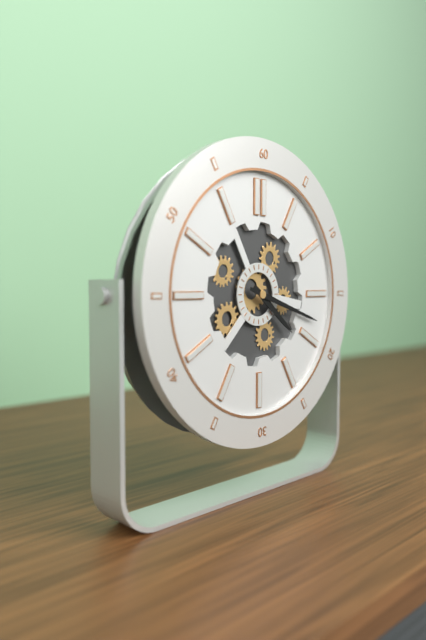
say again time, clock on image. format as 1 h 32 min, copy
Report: 4 h 18 min
